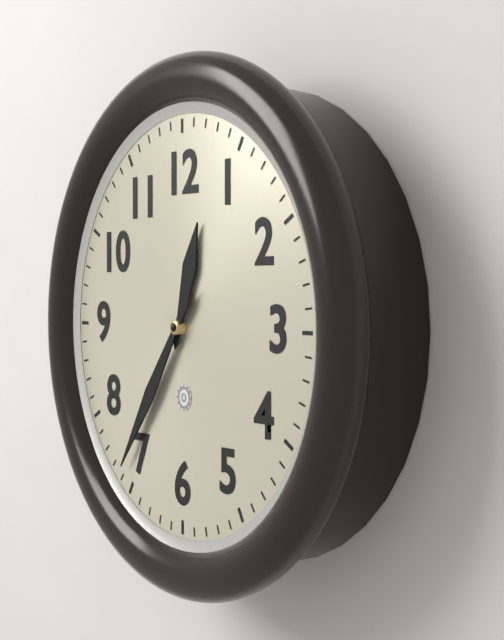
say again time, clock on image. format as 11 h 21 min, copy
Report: 12 h 36 min
